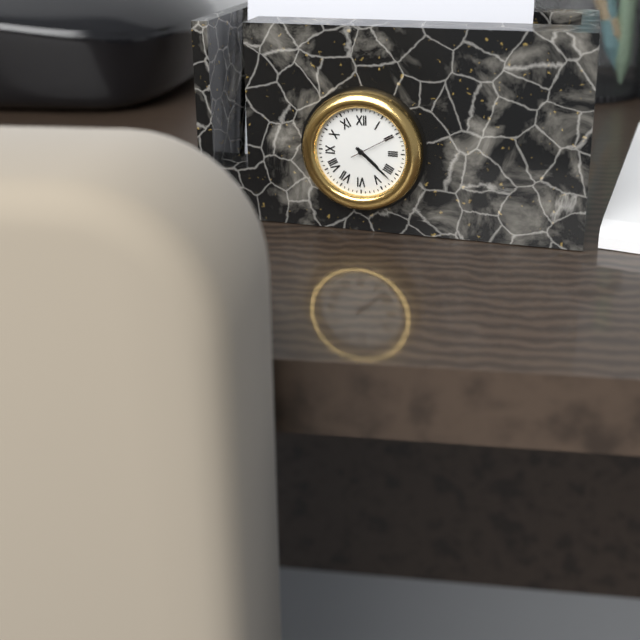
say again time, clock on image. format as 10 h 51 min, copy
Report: 4 h 22 min
